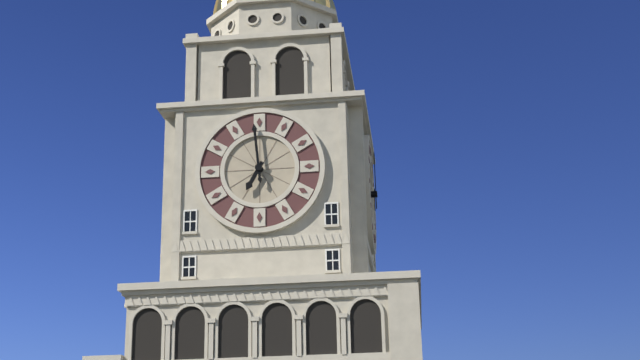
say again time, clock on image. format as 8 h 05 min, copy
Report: 6 h 59 min
